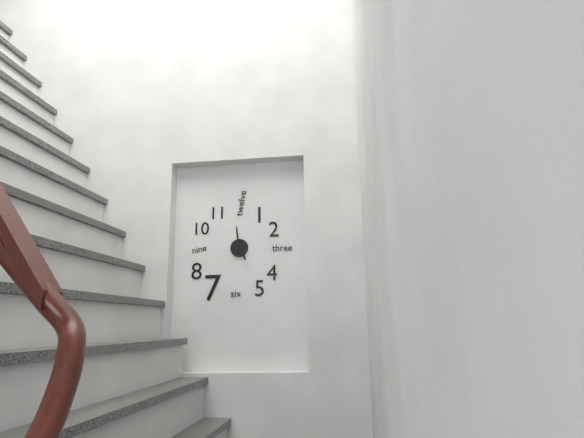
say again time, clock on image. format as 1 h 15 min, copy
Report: 4 h 59 min
